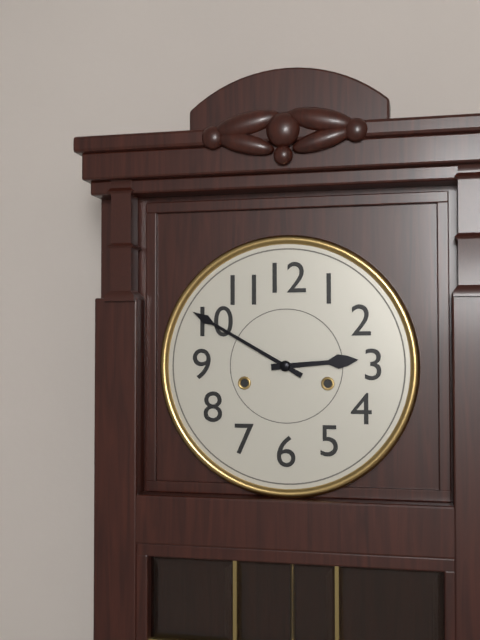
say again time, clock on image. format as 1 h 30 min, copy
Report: 2 h 50 min
